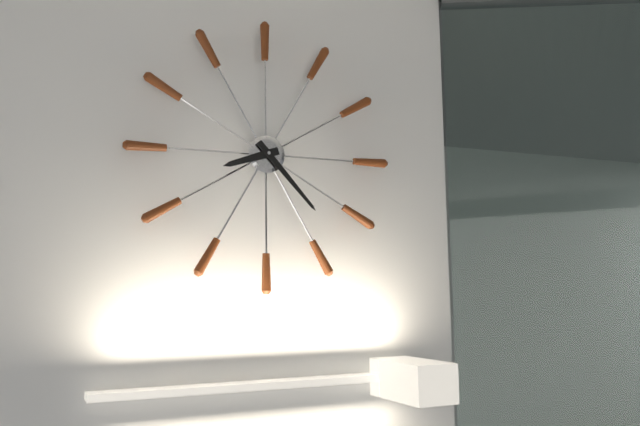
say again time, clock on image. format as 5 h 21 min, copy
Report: 8 h 23 min
